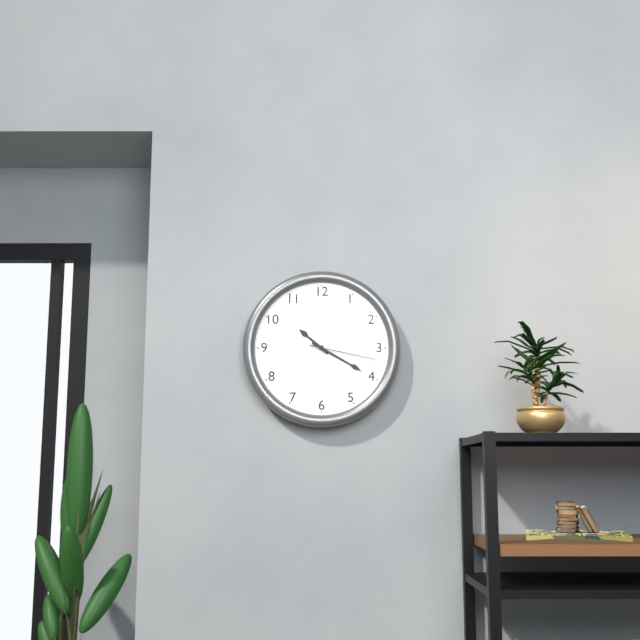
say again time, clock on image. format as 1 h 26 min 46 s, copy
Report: 10 h 20 min 17 s
